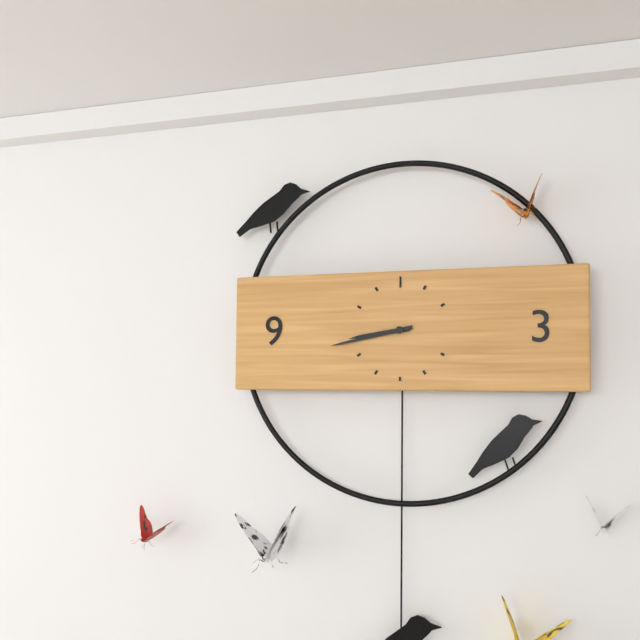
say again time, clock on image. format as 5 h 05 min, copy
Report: 8 h 43 min
